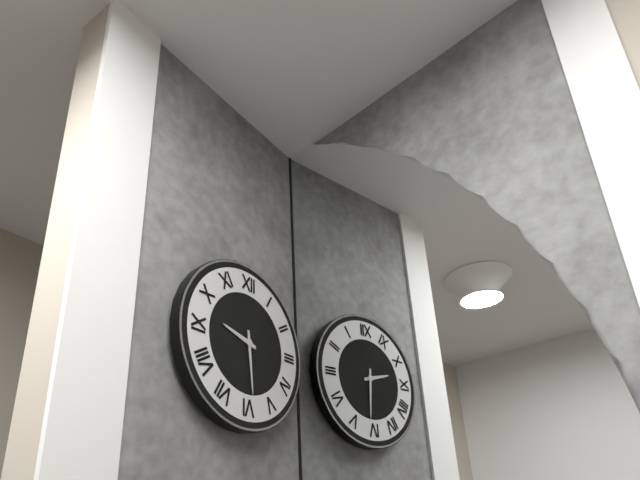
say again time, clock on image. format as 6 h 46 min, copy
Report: 9 h 29 min
